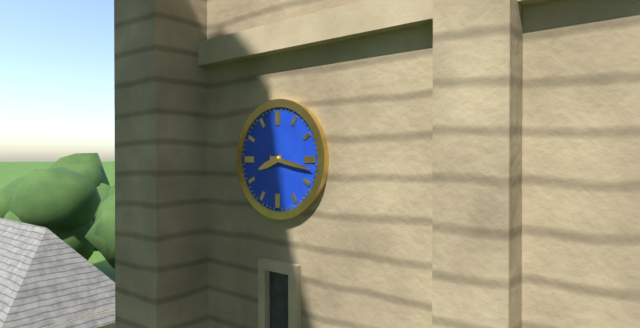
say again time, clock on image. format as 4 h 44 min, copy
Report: 8 h 17 min
